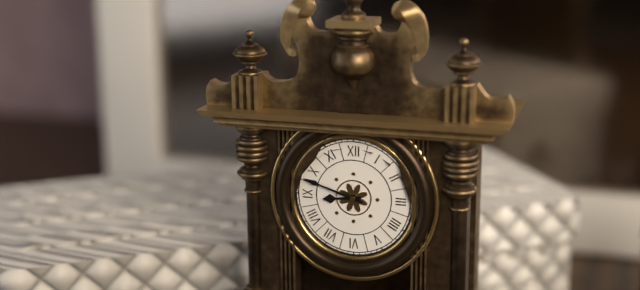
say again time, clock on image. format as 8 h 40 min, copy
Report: 8 h 48 min
